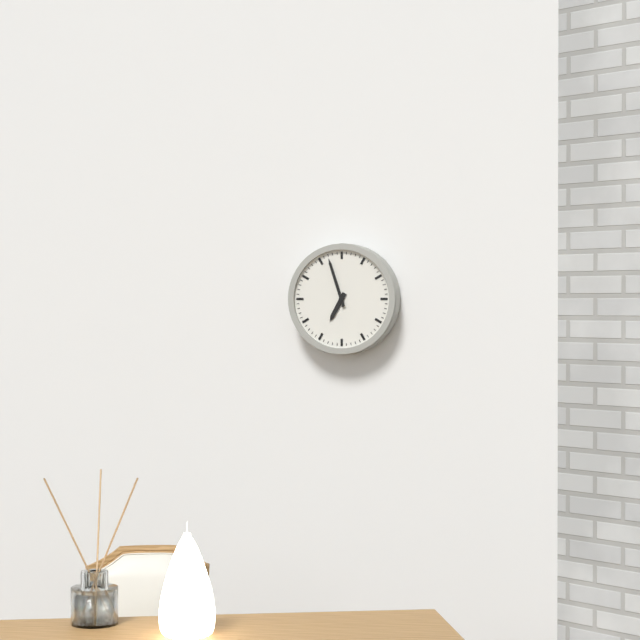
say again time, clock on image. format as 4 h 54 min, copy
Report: 6 h 57 min
